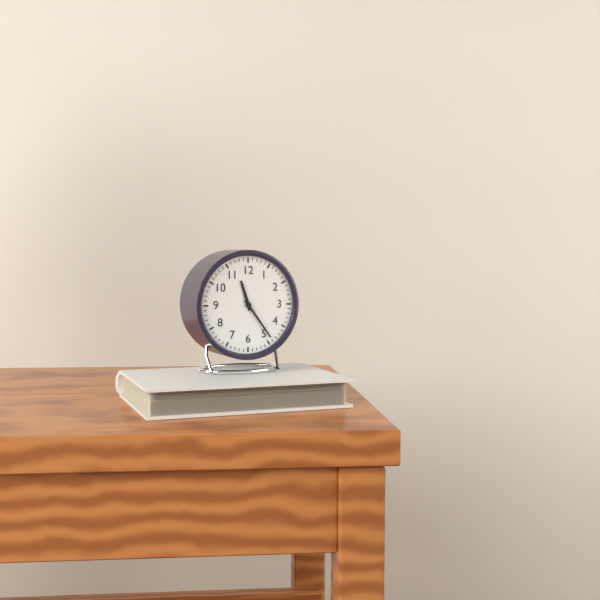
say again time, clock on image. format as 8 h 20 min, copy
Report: 11 h 24 min
